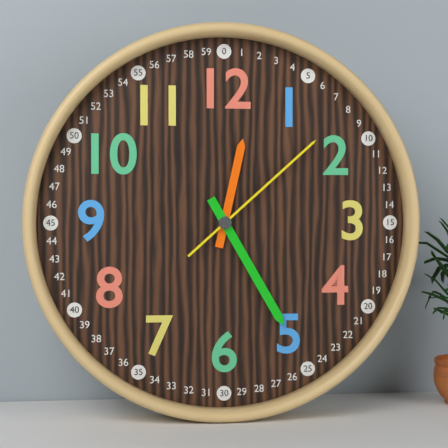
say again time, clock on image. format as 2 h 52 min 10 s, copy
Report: 12 h 25 min 08 s
